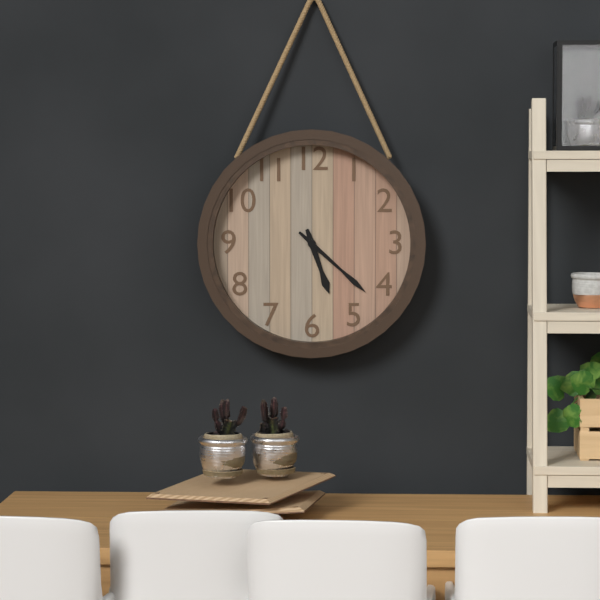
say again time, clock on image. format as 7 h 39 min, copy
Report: 5 h 22 min
